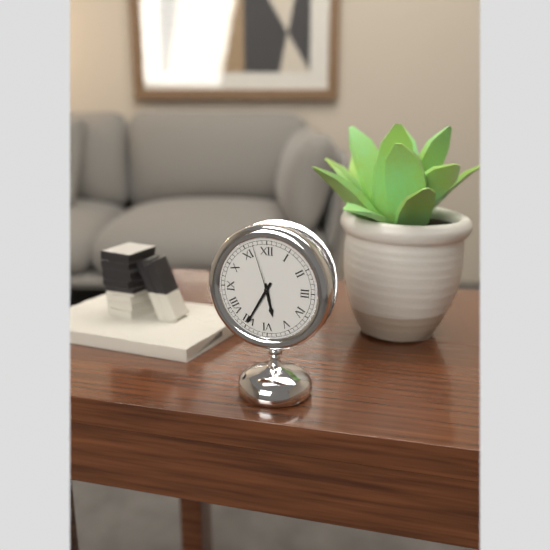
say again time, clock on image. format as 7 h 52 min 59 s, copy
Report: 5 h 35 min 57 s
